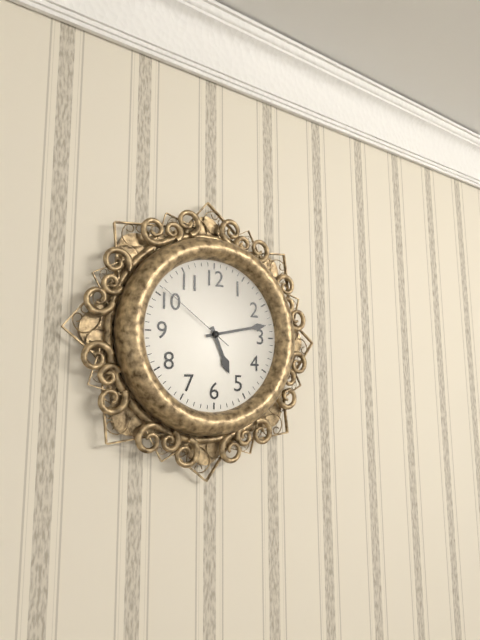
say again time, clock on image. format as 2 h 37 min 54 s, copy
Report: 5 h 13 min 51 s
